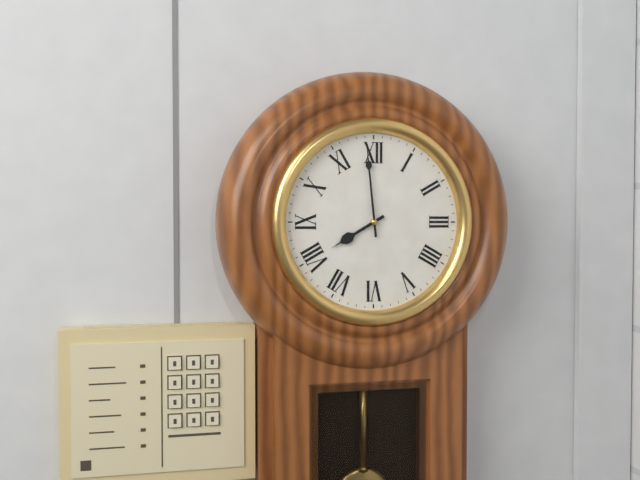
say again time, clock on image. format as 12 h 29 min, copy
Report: 7 h 59 min
